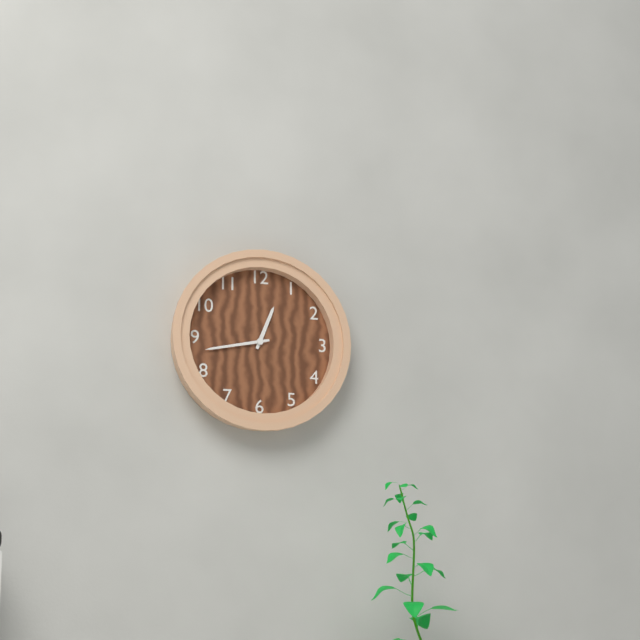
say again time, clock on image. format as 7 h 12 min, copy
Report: 12 h 43 min
